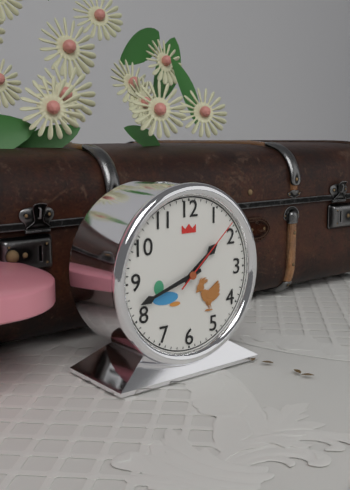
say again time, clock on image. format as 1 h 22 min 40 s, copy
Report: 1 h 42 min 08 s
